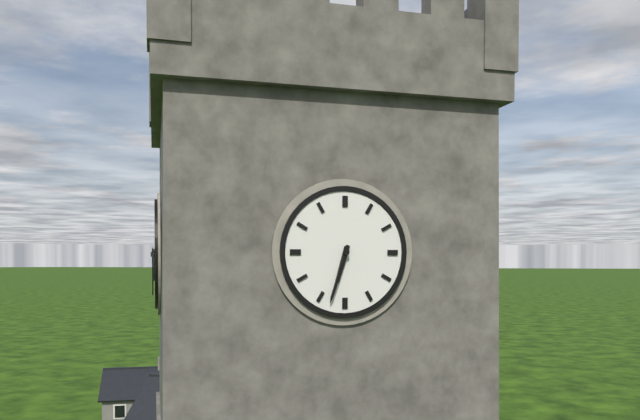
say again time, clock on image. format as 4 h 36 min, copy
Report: 6 h 33 min
